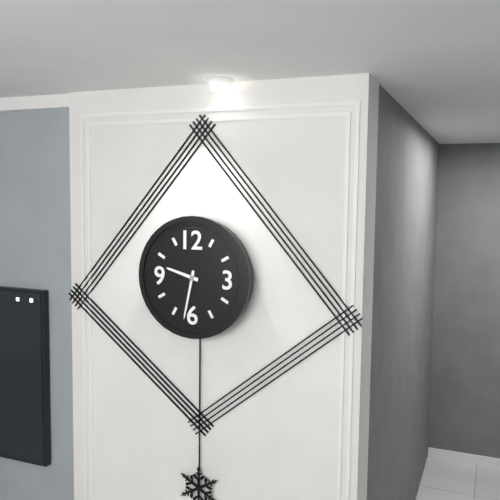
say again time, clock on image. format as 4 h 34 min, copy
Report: 9 h 32 min
